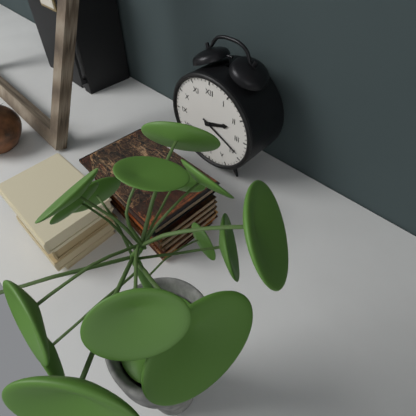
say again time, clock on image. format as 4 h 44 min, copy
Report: 2 h 19 min
